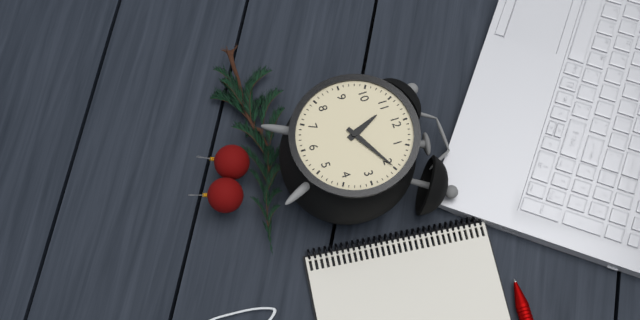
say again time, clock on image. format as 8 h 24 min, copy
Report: 11 h 10 min
